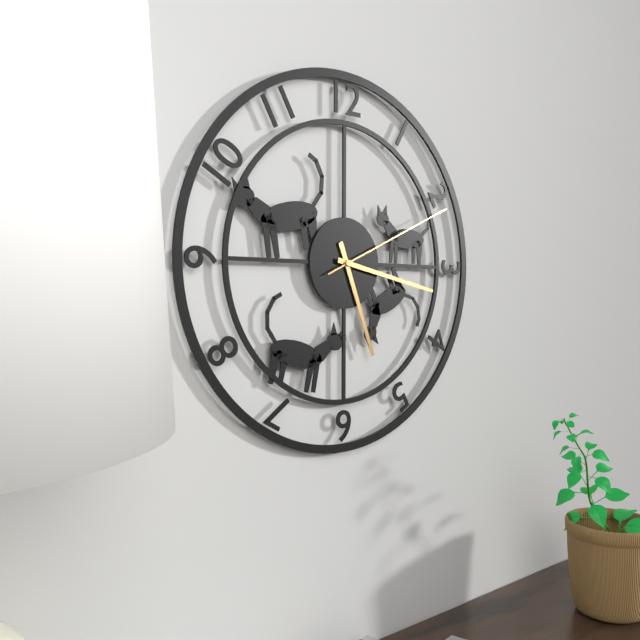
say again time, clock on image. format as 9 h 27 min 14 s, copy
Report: 5 h 17 min 11 s
